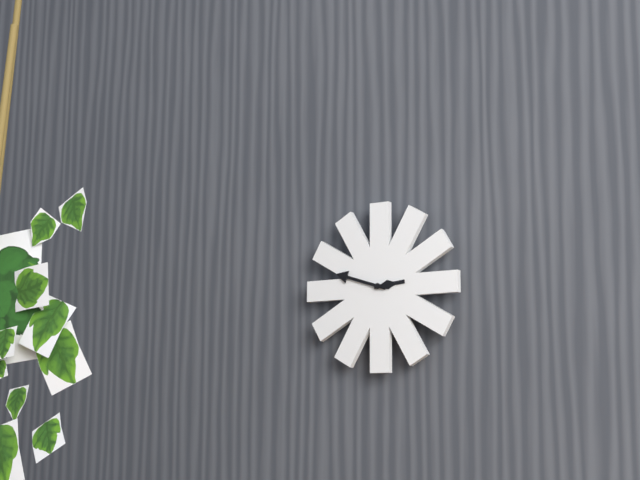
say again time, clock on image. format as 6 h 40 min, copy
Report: 2 h 48 min
